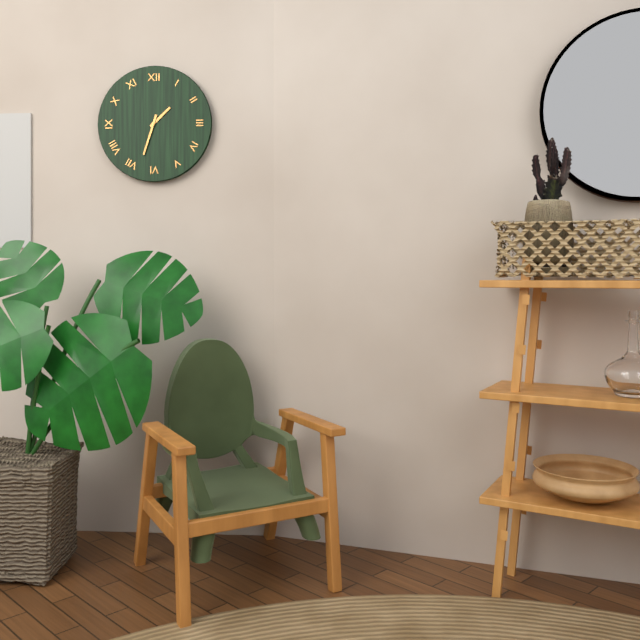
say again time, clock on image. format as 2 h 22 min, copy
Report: 1 h 33 min
